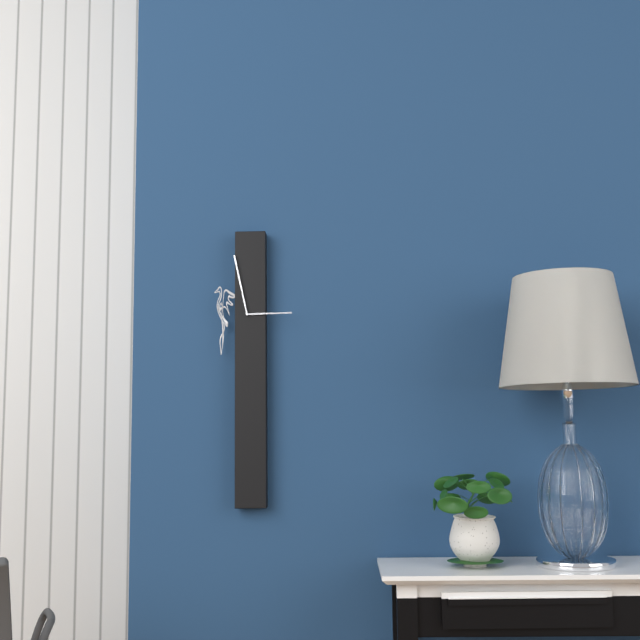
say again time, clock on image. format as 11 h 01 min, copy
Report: 2 h 58 min
